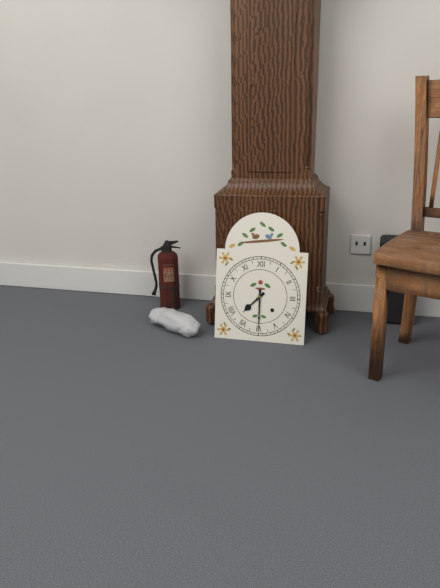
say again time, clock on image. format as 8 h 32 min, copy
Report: 7 h 30 min
